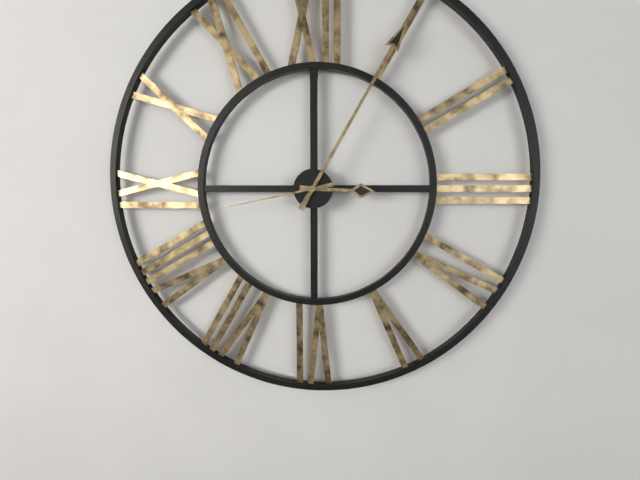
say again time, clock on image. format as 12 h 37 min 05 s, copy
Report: 3 h 05 min 43 s
